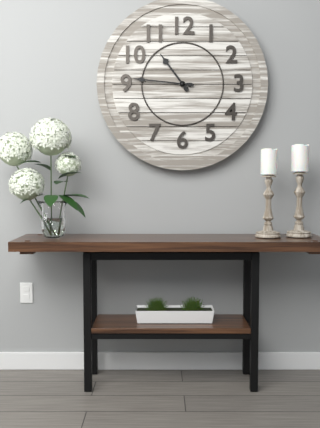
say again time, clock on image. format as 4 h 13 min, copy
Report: 10 h 46 min
